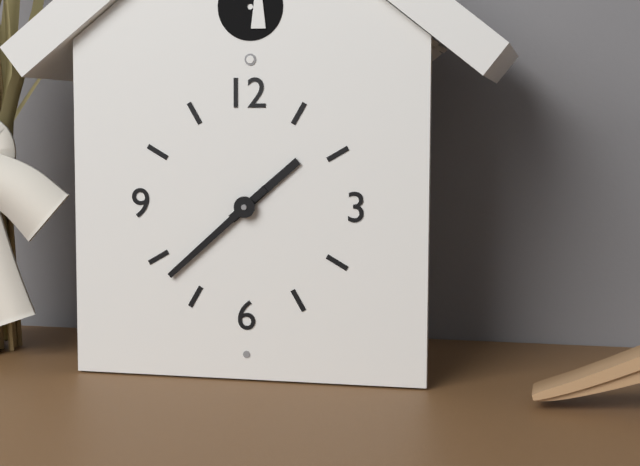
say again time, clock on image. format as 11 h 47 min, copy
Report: 1 h 38 min
